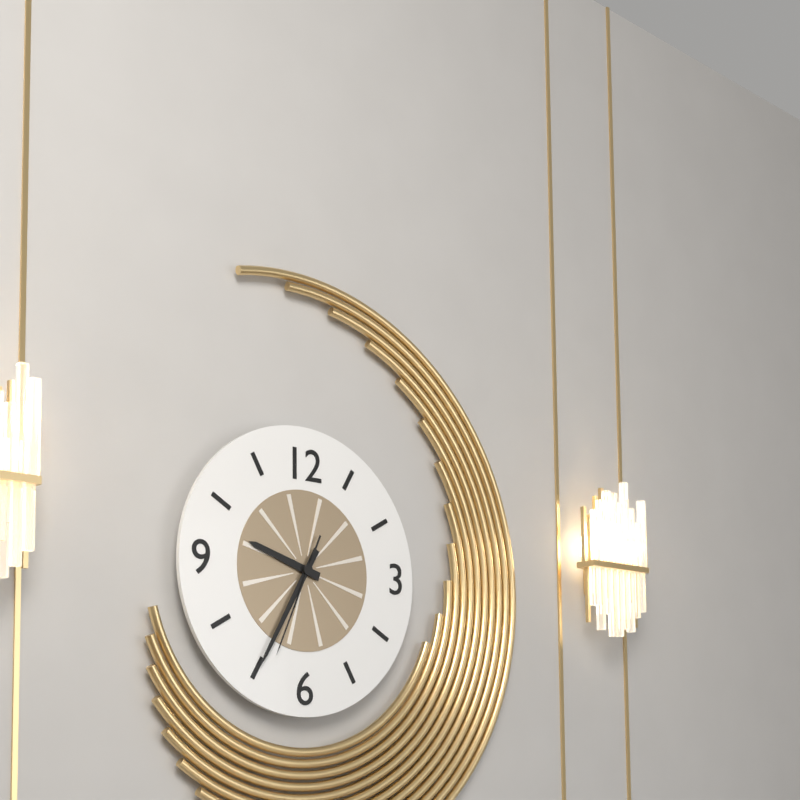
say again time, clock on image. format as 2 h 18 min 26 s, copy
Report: 9 h 35 min 34 s
